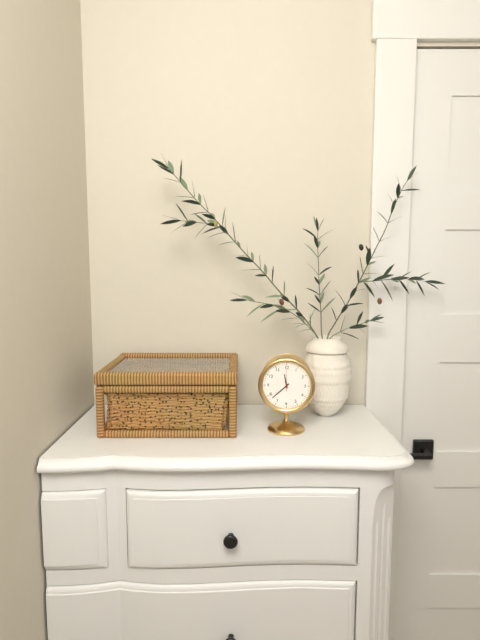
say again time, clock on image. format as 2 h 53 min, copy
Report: 11 h 38 min
